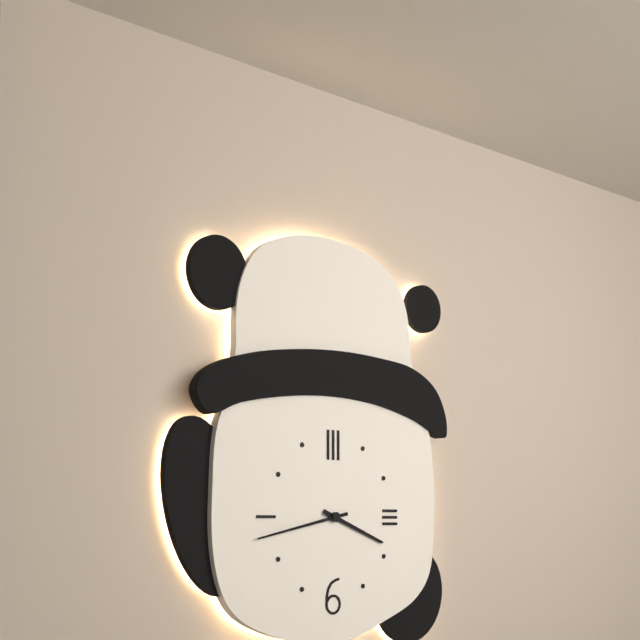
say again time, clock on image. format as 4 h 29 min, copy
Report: 3 h 43 min
